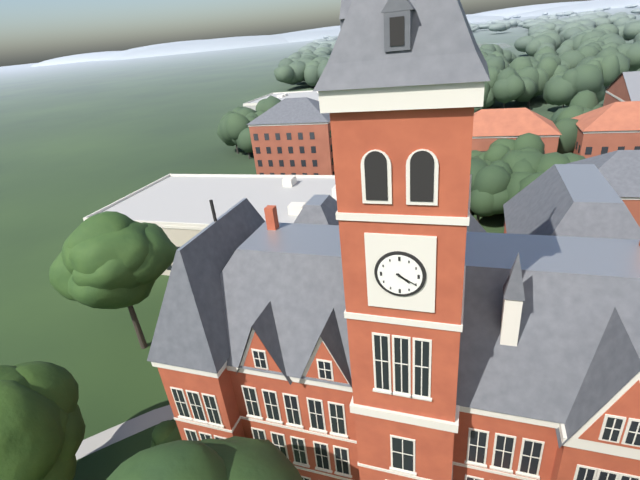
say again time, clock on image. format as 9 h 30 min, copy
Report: 4 h 20 min
